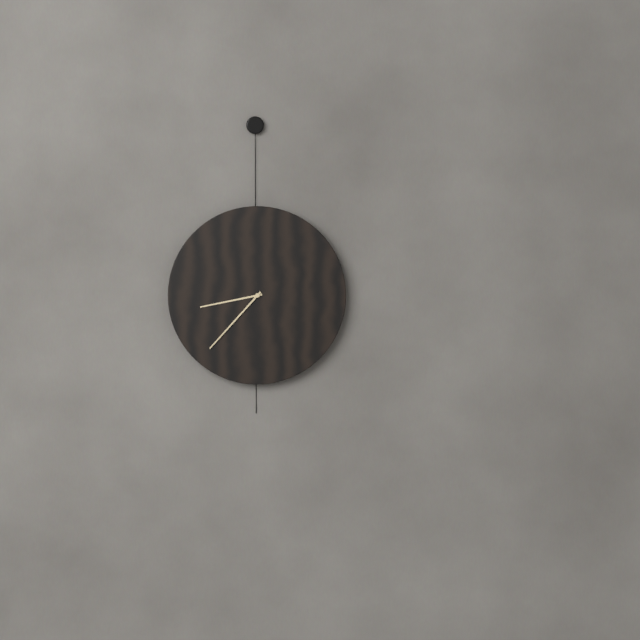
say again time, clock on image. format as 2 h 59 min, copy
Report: 8 h 37 min
